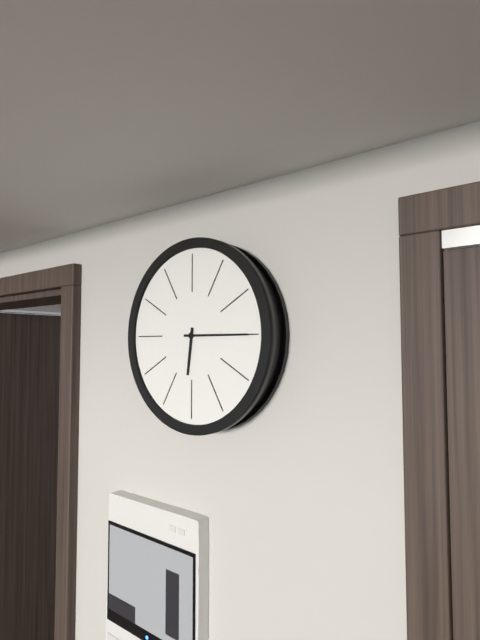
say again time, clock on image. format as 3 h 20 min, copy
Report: 6 h 15 min
